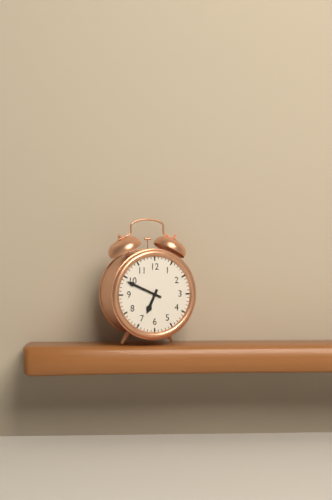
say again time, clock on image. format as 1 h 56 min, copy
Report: 6 h 49 min
